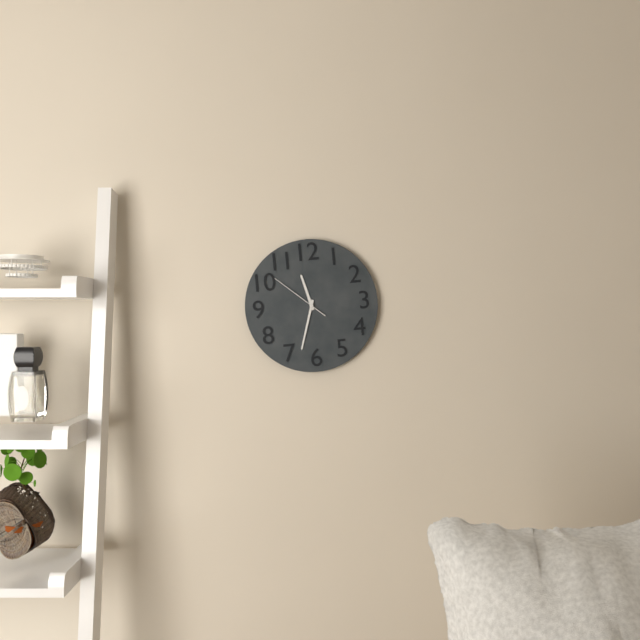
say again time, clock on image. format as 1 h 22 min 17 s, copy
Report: 11 h 33 min 52 s
